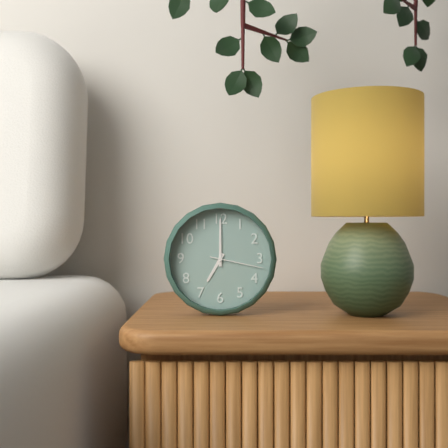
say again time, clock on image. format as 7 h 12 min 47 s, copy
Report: 7 h 00 min 17 s
